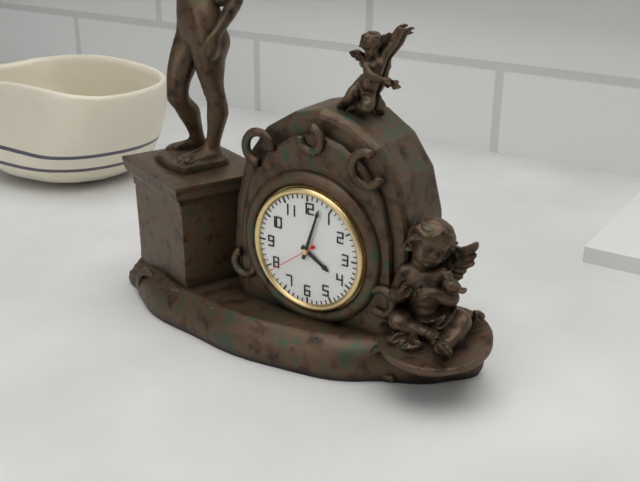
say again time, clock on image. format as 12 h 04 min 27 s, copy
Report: 4 h 03 min 39 s
